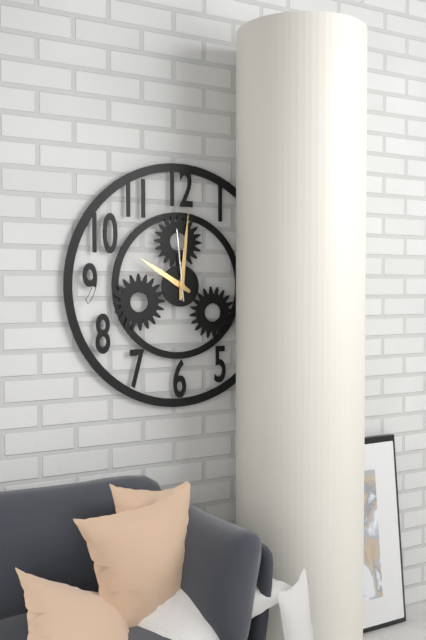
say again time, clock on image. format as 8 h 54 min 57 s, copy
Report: 10 h 01 min 59 s
